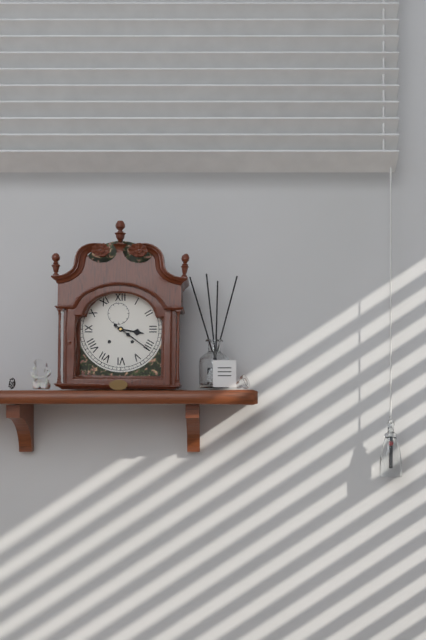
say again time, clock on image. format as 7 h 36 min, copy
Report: 3 h 21 min
